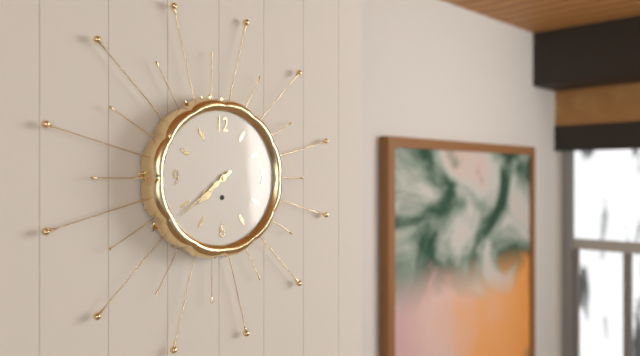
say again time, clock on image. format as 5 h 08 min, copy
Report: 7 h 39 min
